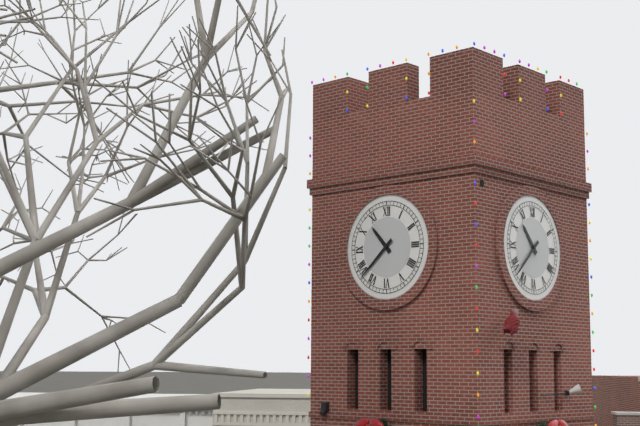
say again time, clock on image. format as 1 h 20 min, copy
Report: 10 h 38 min
